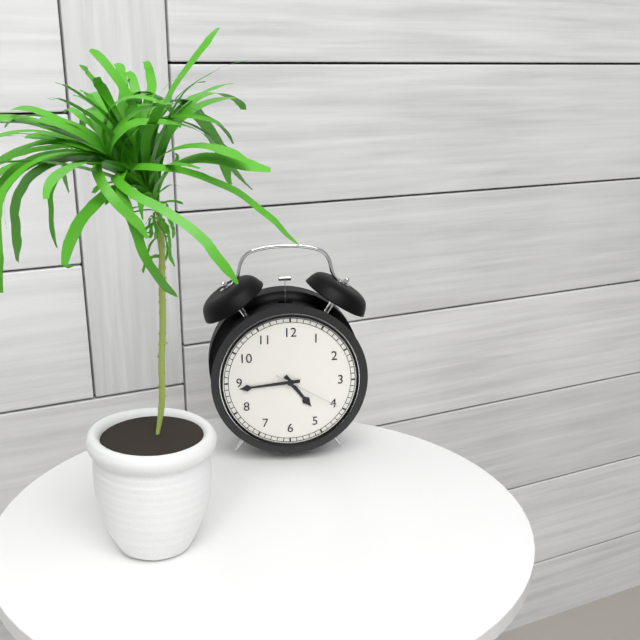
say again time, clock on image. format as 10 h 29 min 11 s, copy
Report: 4 h 44 min 20 s
